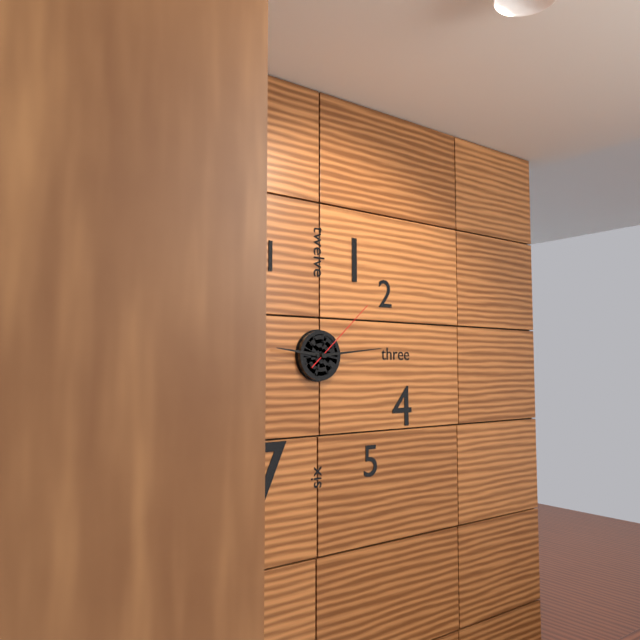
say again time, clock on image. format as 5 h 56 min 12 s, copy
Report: 9 h 14 min 08 s
